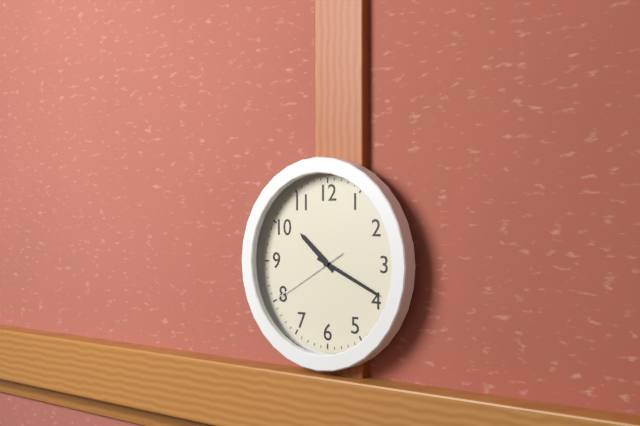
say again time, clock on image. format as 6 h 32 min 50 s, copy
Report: 10 h 19 min 40 s
